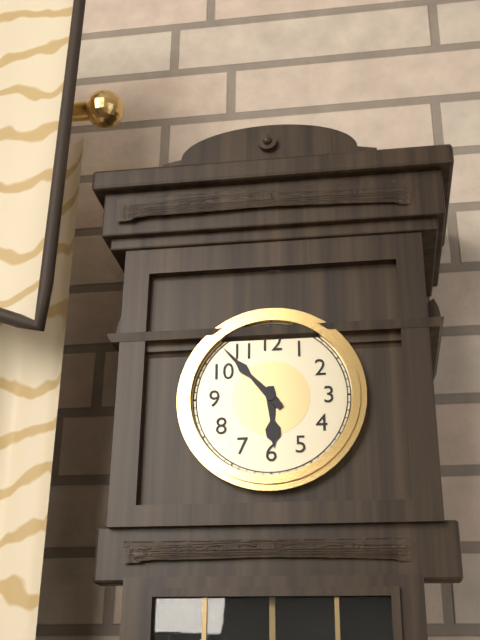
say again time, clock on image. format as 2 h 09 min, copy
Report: 5 h 53 min
